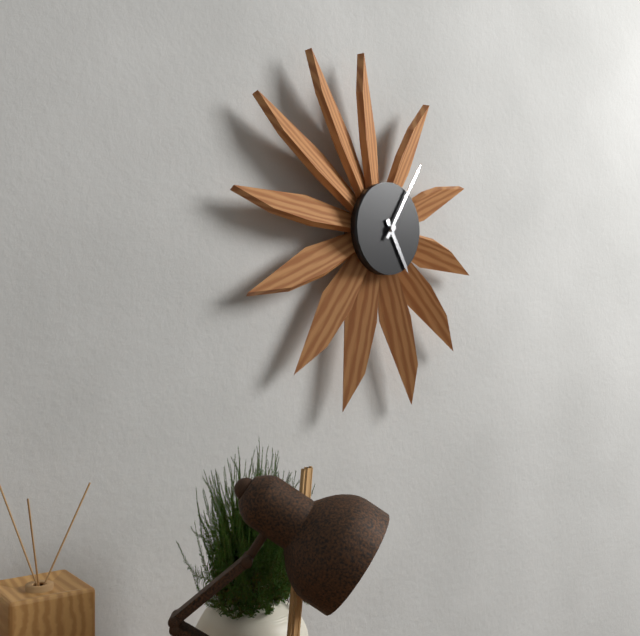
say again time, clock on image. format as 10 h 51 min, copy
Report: 5 h 05 min
